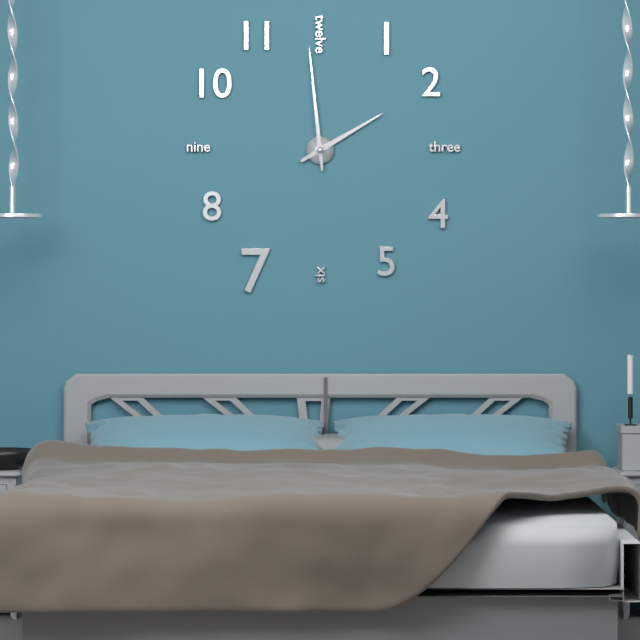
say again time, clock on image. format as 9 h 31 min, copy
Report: 1 h 59 min
